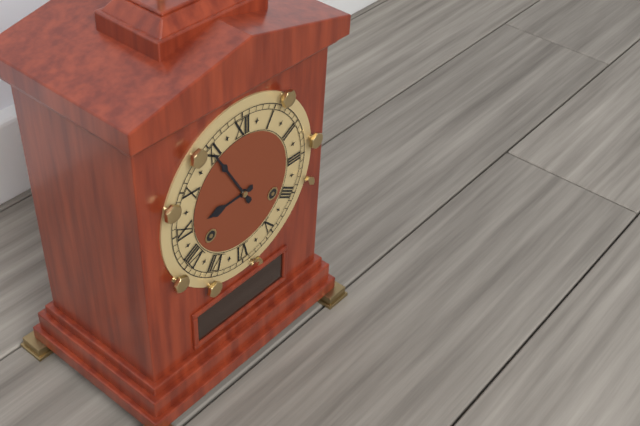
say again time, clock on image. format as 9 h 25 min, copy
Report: 8 h 55 min
